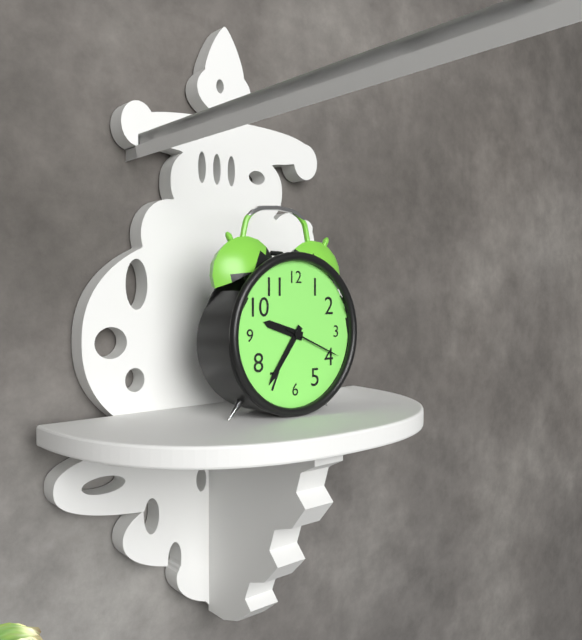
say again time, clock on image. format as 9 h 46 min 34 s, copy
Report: 9 h 36 min 19 s
